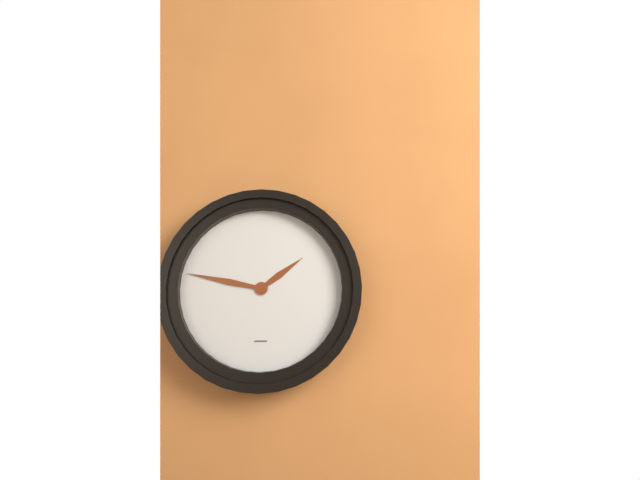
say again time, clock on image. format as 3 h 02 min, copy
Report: 1 h 47 min
